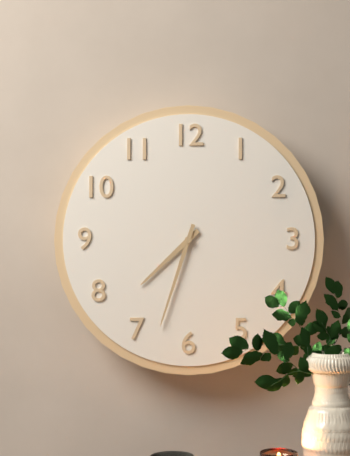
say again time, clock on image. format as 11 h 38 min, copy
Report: 7 h 33 min
